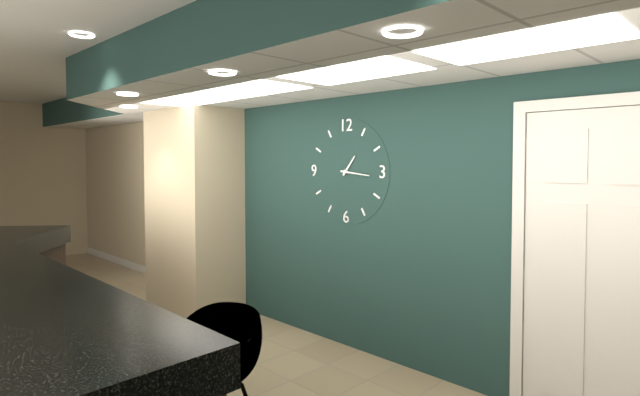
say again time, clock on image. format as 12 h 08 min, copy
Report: 1 h 16 min
